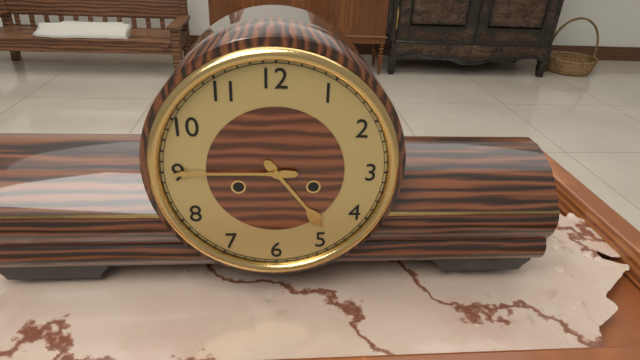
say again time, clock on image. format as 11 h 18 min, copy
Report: 4 h 45 min
